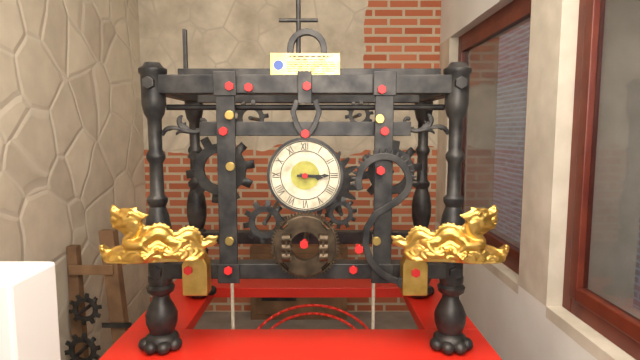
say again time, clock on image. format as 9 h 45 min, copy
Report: 3 h 15 min
